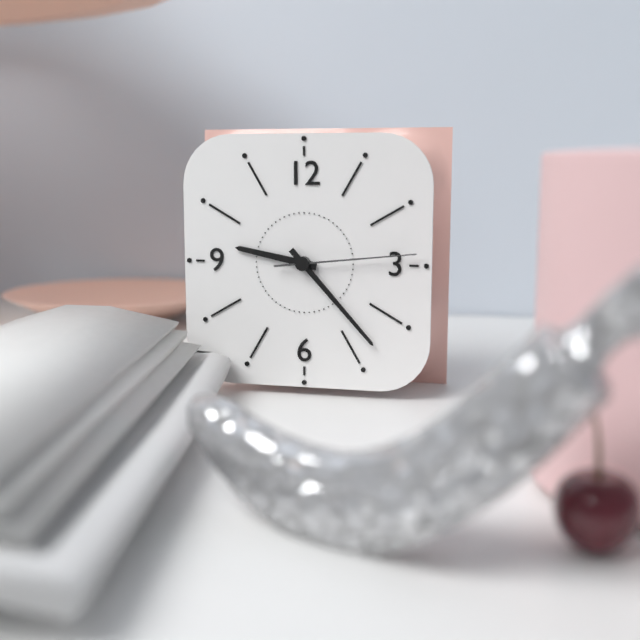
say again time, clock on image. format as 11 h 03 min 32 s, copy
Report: 9 h 23 min 14 s
